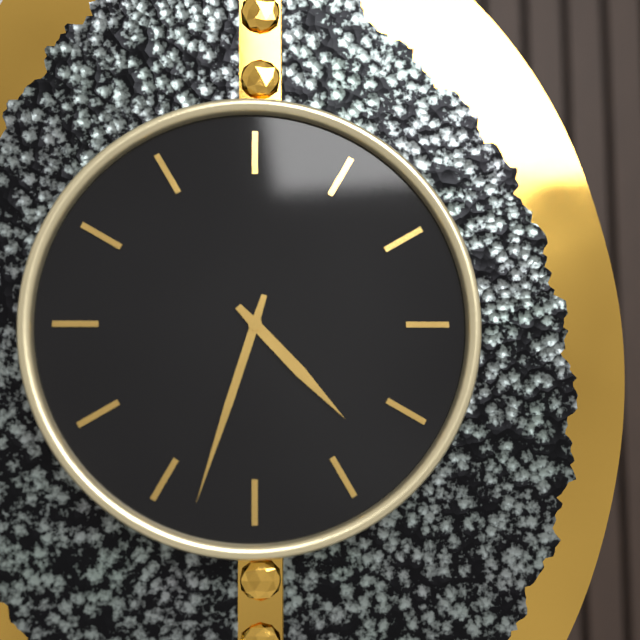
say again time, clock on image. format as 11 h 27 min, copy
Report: 4 h 33 min
